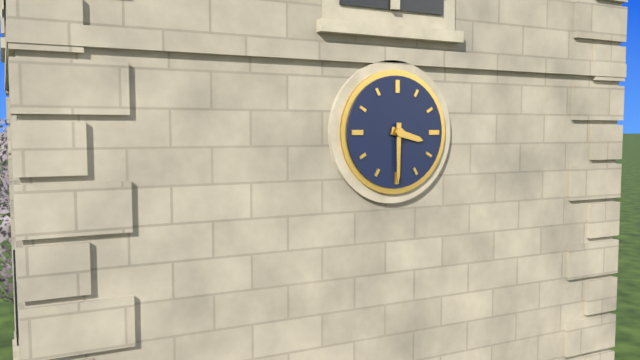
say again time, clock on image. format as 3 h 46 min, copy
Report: 3 h 30 min
